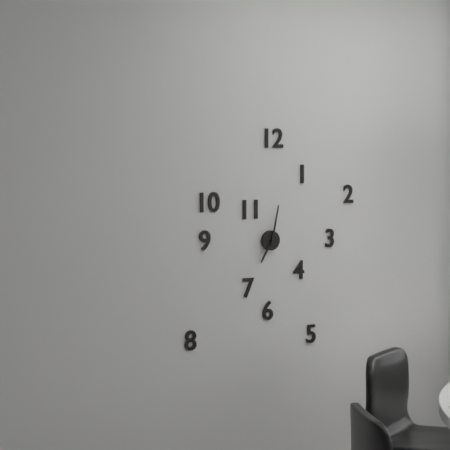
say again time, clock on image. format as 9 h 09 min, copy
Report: 7 h 02 min
